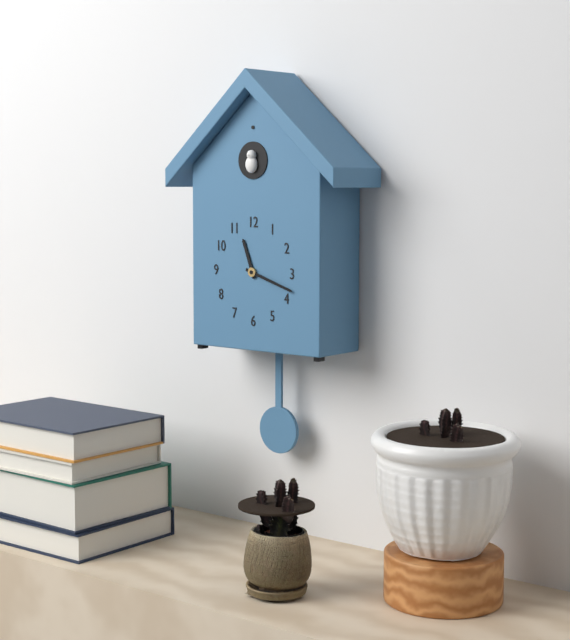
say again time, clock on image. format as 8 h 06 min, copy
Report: 11 h 18 min
